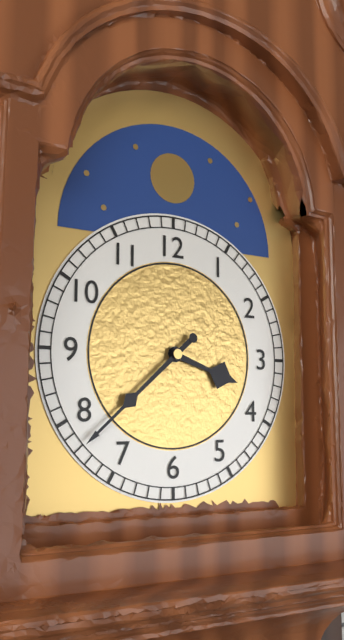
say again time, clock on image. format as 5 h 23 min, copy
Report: 3 h 38 min
